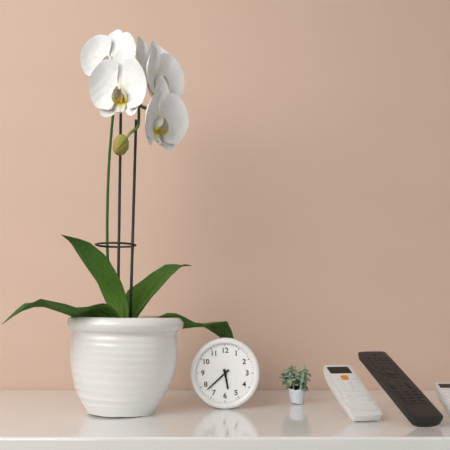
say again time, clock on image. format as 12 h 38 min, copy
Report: 5 h 38 min
